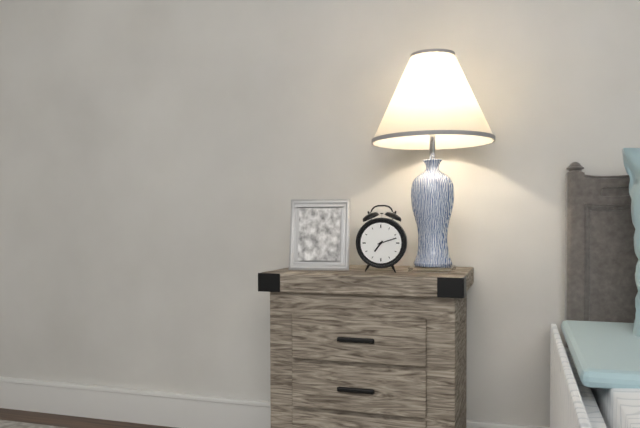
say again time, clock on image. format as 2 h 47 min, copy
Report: 7 h 12 min
